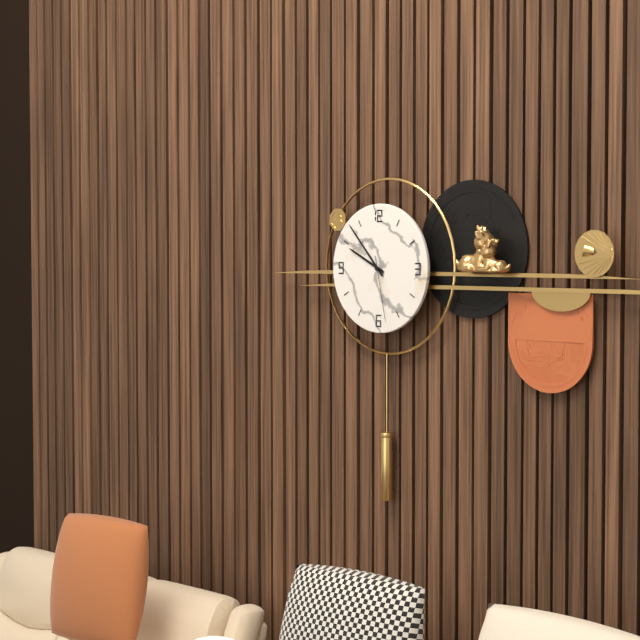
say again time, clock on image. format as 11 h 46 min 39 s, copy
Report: 9 h 53 min 28 s
